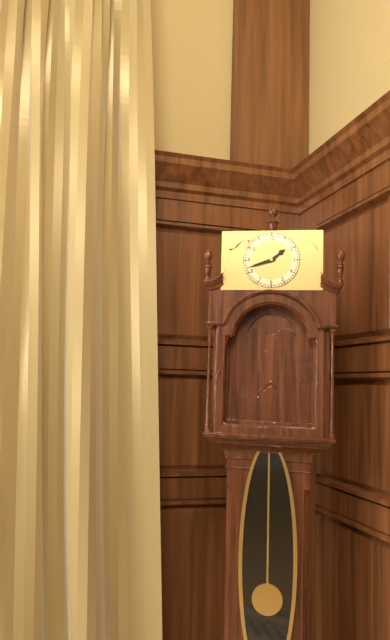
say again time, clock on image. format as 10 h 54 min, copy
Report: 1 h 42 min
